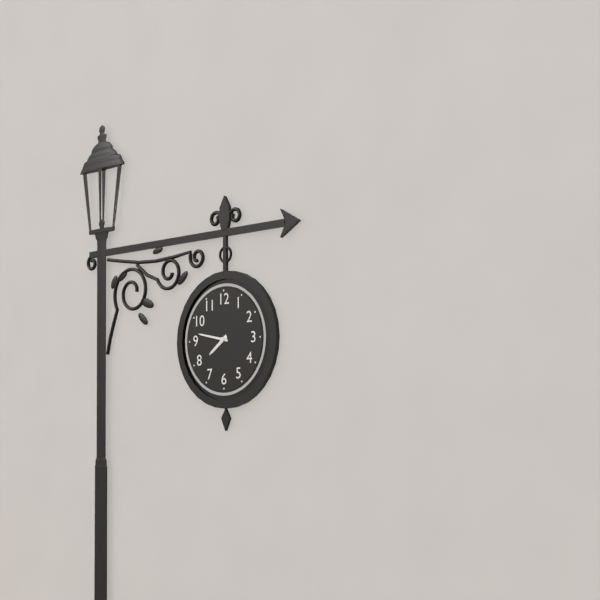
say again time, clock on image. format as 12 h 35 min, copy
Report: 7 h 47 min
